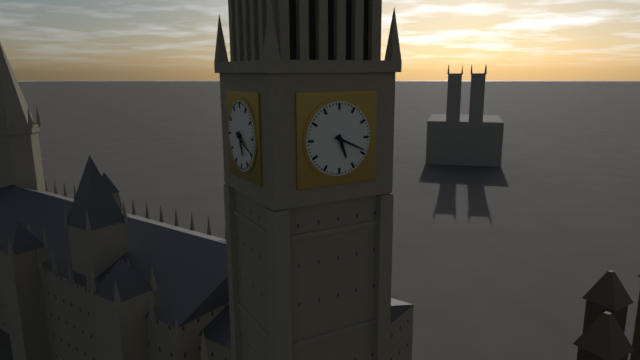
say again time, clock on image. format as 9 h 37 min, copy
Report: 5 h 19 min
